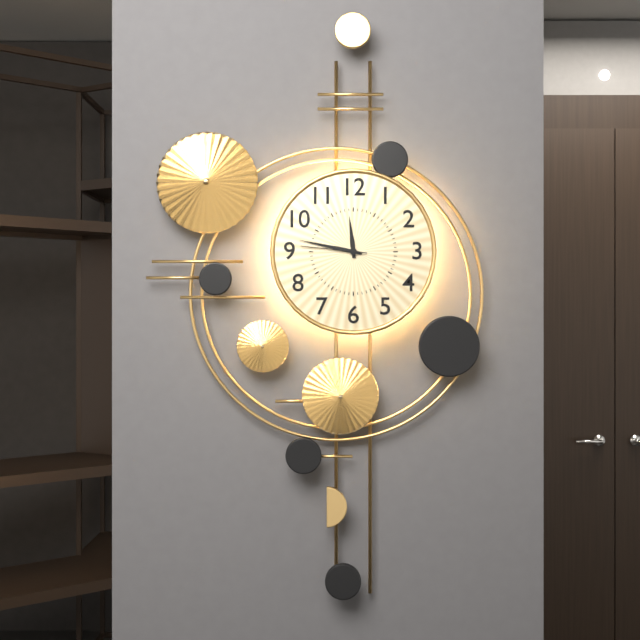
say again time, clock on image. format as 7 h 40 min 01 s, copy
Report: 11 h 47 min 46 s
